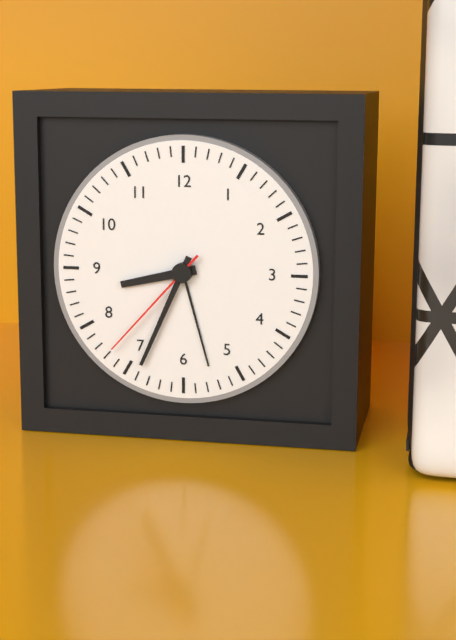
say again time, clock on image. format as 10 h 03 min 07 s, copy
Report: 8 h 34 min 37 s
